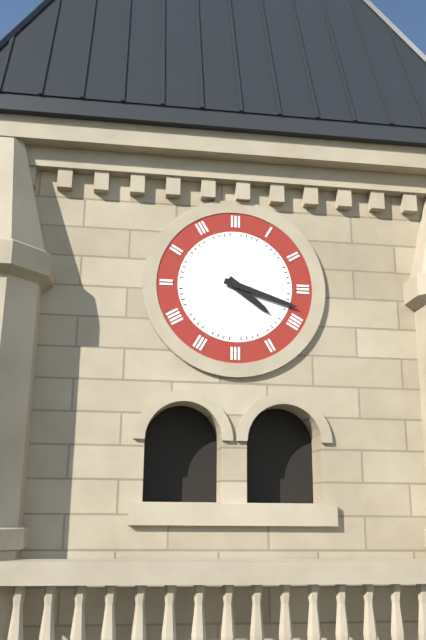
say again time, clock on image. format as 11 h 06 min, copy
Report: 4 h 18 min
